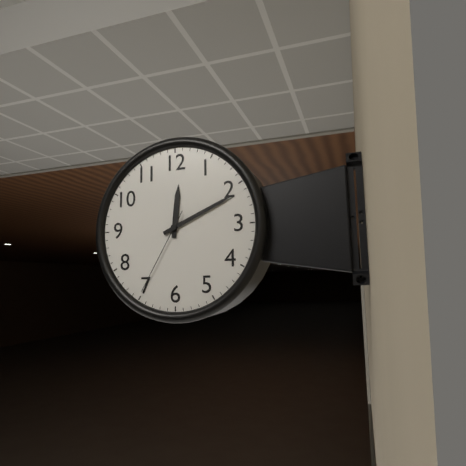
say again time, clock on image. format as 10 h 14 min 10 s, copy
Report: 12 h 11 min 35 s
